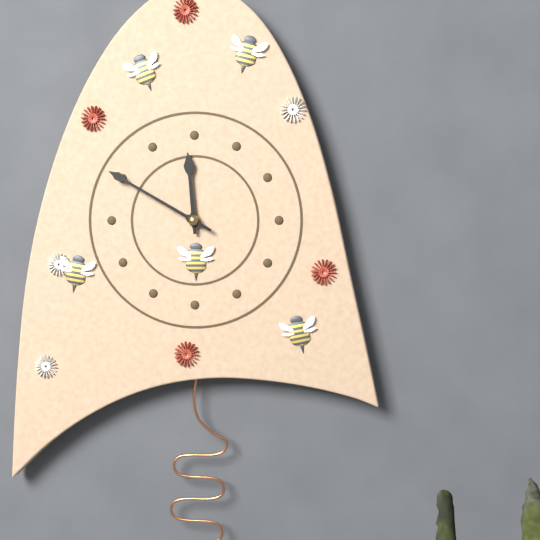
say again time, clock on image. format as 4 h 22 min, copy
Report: 11 h 50 min
